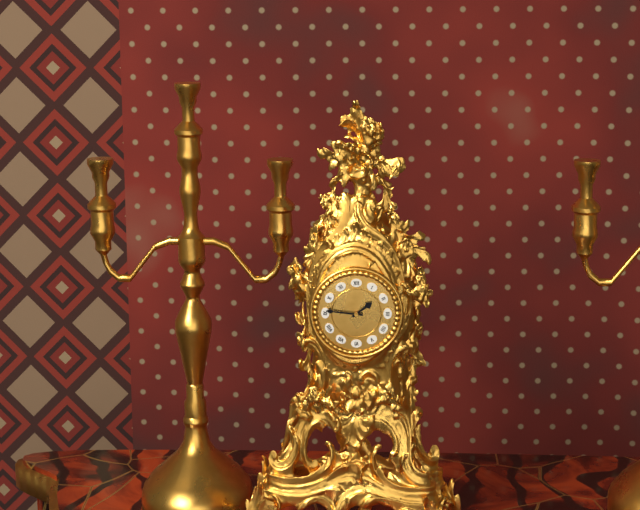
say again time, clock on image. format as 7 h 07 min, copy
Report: 1 h 46 min
